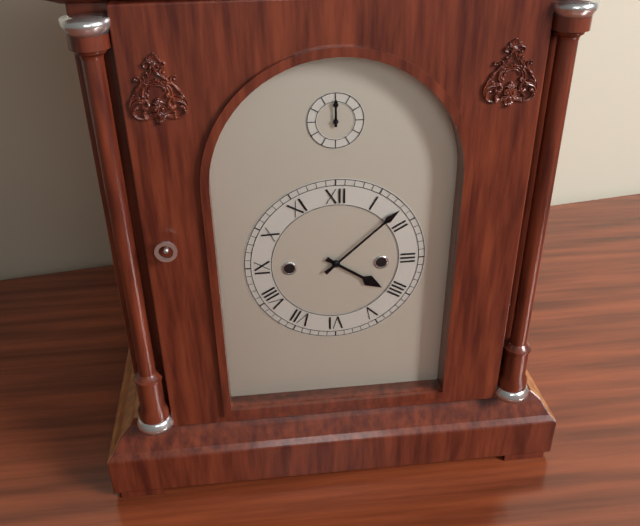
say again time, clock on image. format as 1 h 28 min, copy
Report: 4 h 08 min
